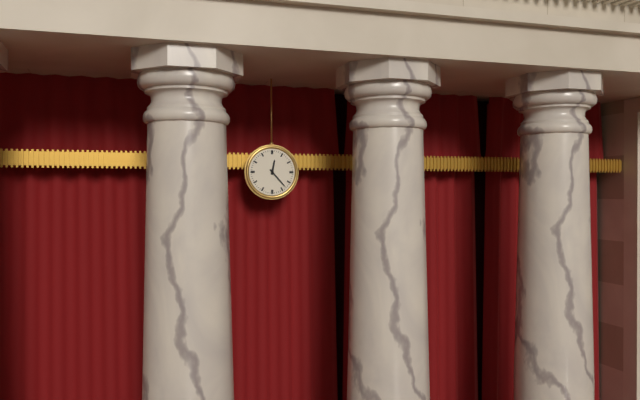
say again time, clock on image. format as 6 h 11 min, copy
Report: 12 h 23 min
